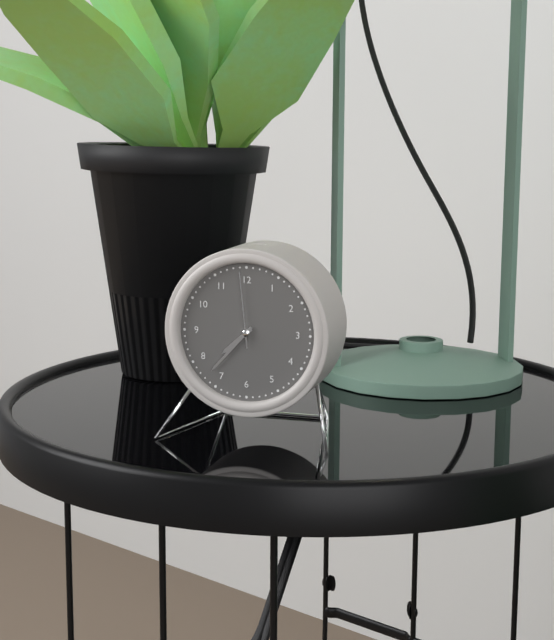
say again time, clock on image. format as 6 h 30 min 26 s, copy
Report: 7 h 37 min 59 s
